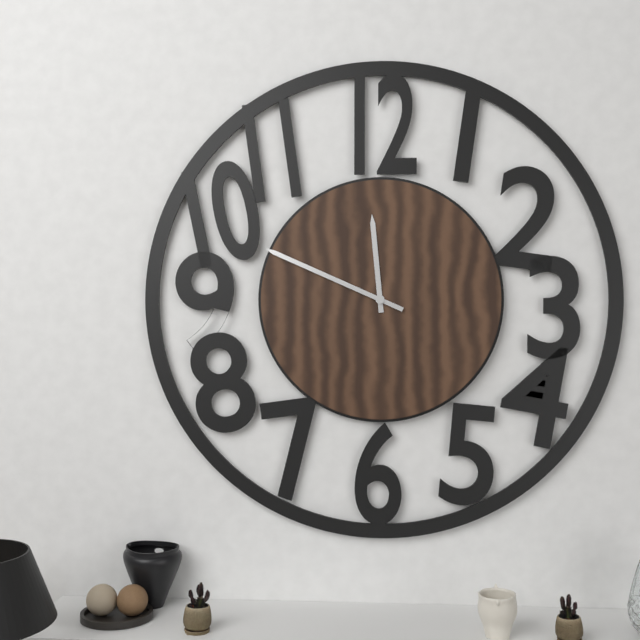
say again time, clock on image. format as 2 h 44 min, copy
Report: 11 h 49 min
